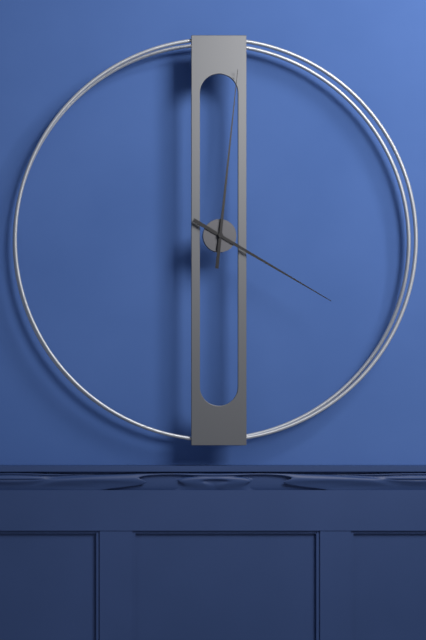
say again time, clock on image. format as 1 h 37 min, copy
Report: 4 h 01 min
